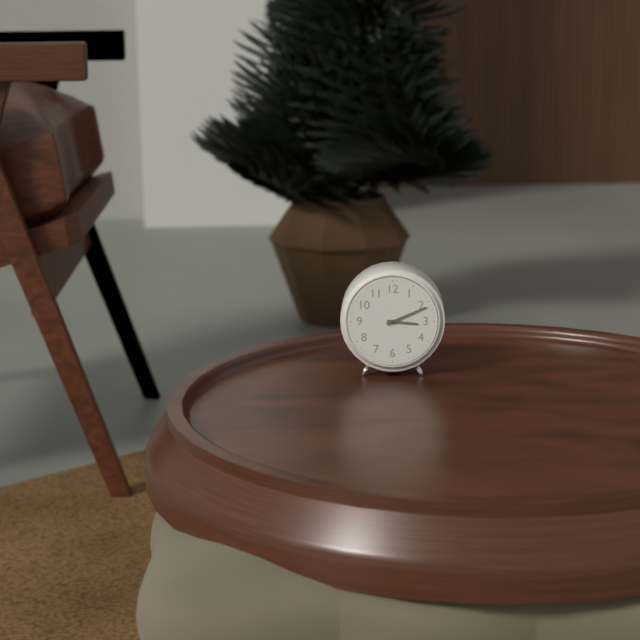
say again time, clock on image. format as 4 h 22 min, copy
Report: 3 h 11 min
